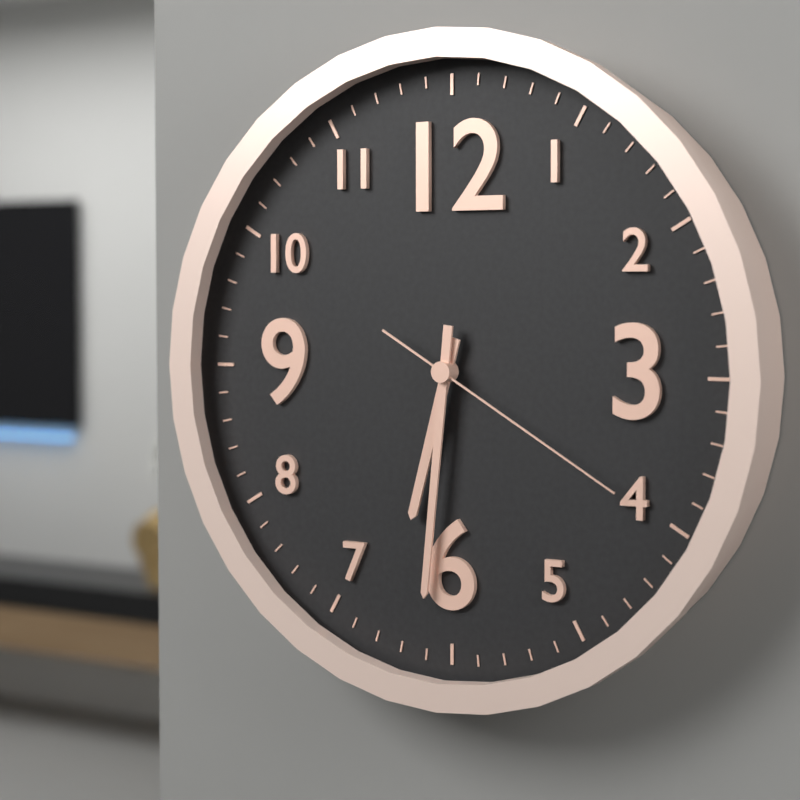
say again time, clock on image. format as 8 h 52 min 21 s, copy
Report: 6 h 31 min 20 s
